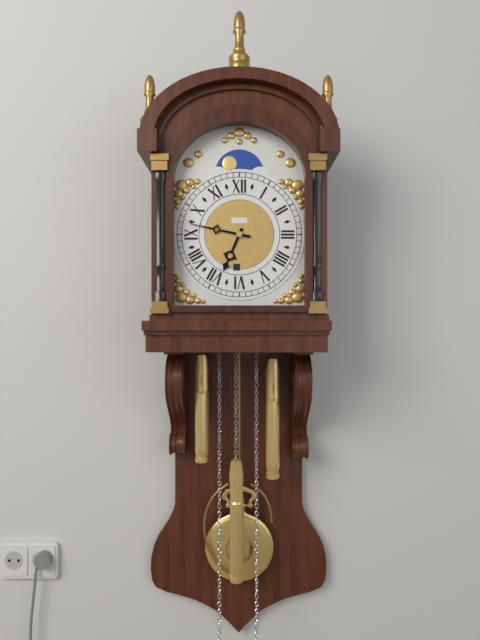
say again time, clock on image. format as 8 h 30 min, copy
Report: 6 h 47 min
